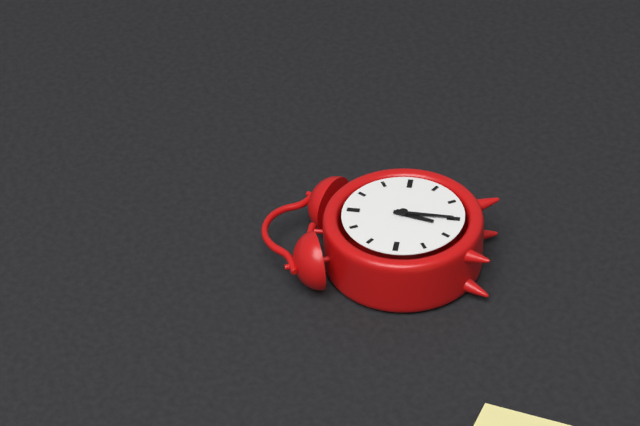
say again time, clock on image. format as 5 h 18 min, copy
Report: 6 h 30 min
